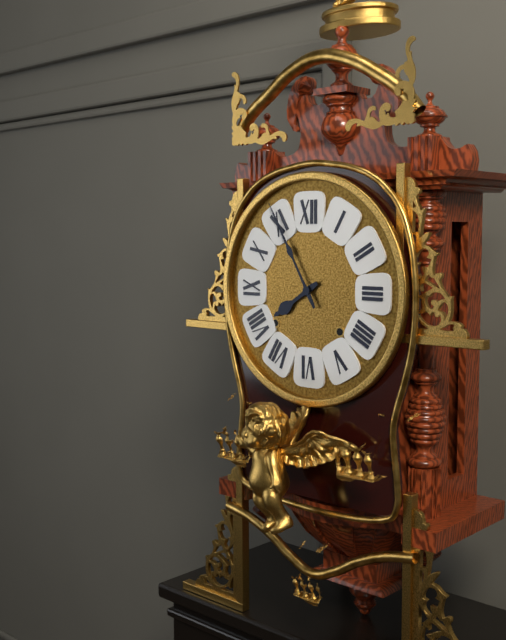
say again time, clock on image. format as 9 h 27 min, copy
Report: 7 h 55 min
